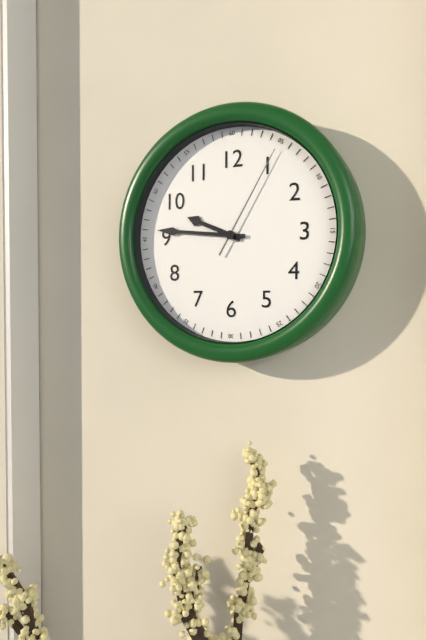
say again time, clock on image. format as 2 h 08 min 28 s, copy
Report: 9 h 46 min 05 s
